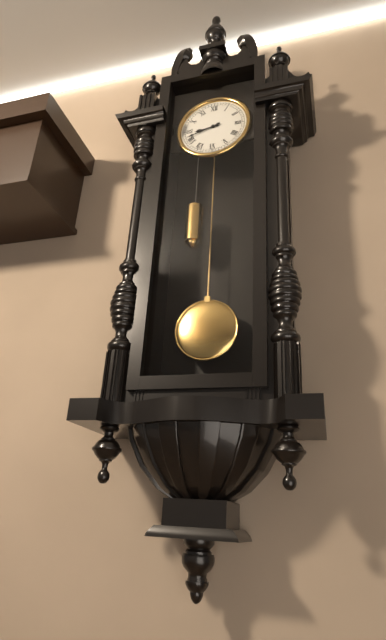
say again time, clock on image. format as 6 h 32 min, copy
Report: 8 h 42 min
